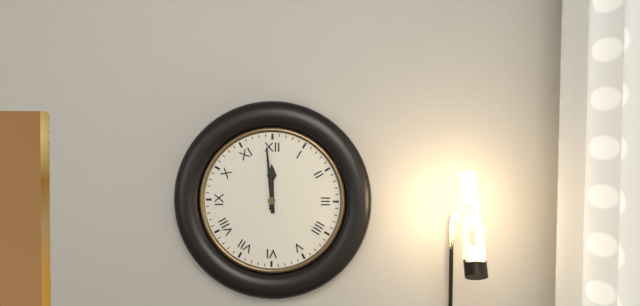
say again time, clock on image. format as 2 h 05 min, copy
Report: 11 h 59 min
